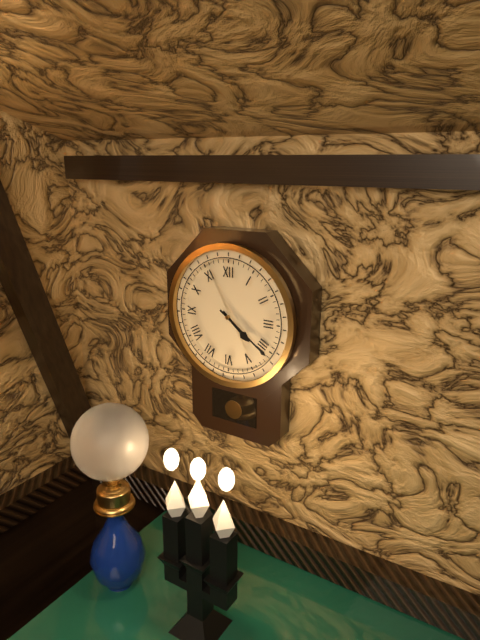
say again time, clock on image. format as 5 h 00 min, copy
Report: 4 h 21 min
